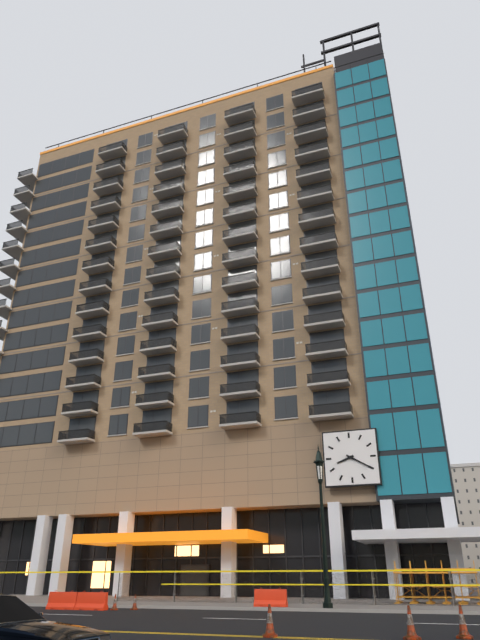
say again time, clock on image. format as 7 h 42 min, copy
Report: 8 h 20 min
